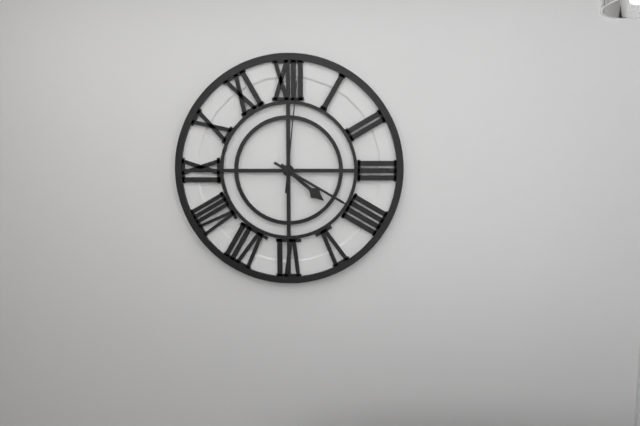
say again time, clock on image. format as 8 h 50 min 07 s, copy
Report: 4 h 20 min 01 s
